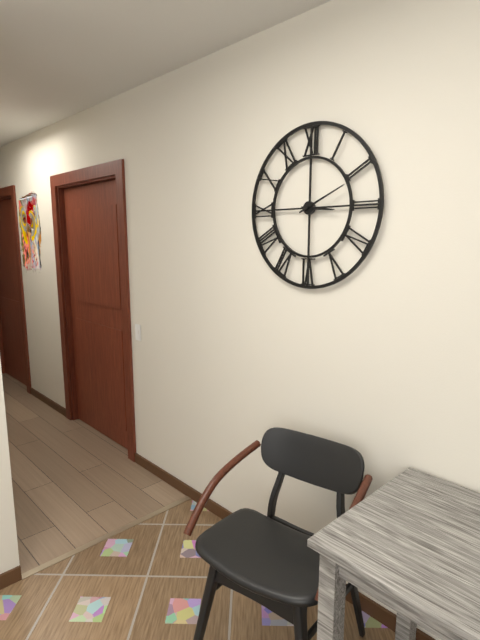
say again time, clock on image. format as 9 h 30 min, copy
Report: 3 h 11 min
